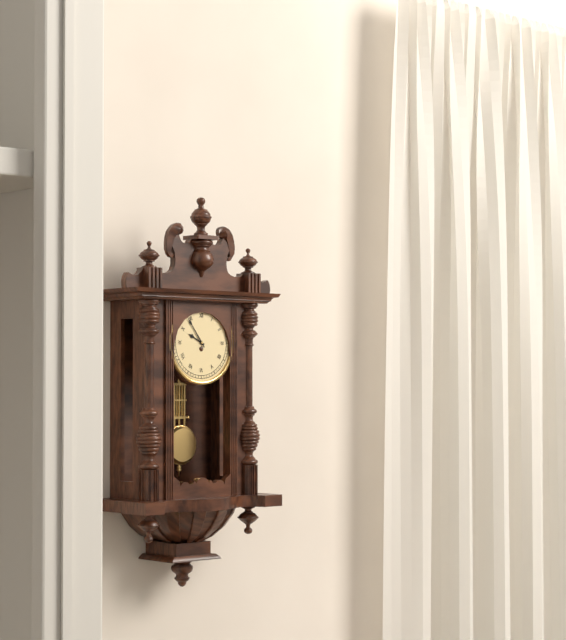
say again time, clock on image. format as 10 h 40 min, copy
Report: 9 h 54 min
